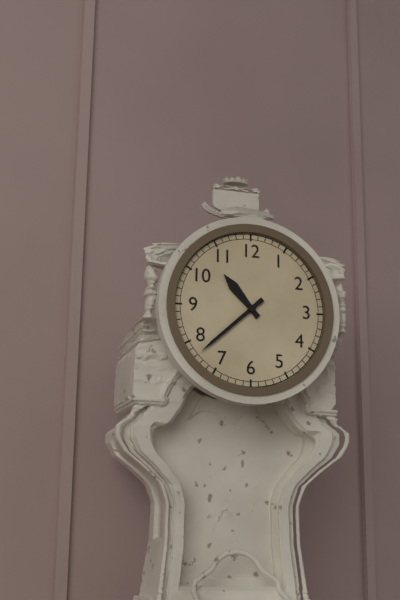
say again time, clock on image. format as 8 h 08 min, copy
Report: 10 h 38 min
